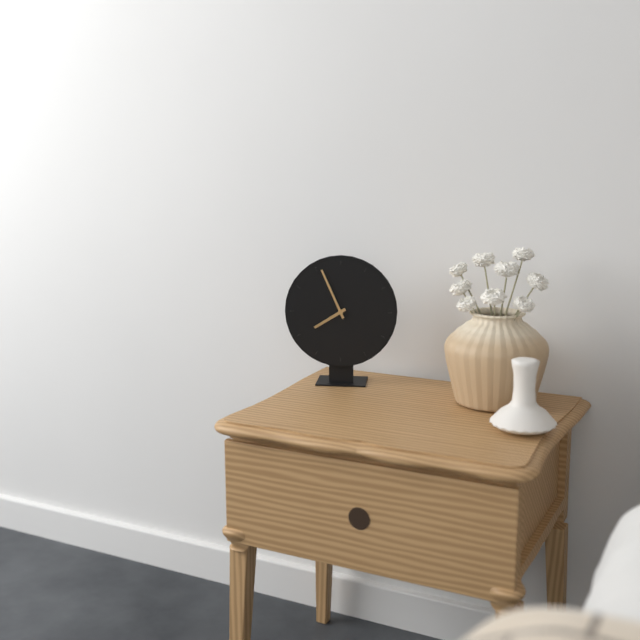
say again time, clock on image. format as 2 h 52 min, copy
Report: 7 h 56 min
